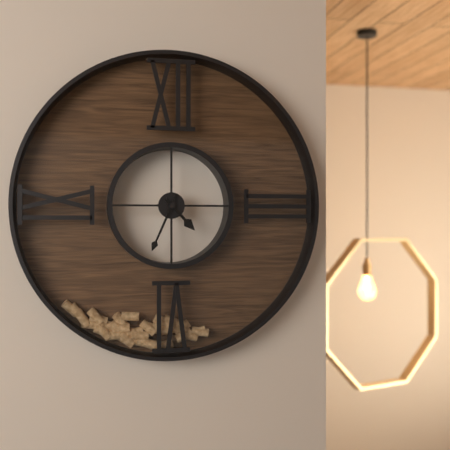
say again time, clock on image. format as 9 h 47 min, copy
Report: 4 h 34 min
